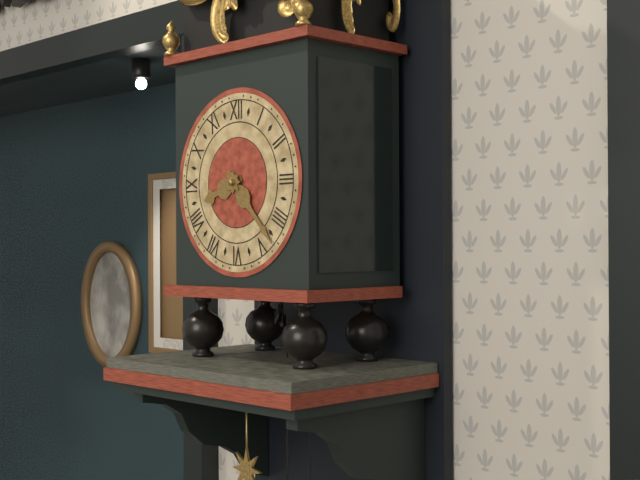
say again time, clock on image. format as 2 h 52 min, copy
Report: 8 h 23 min
